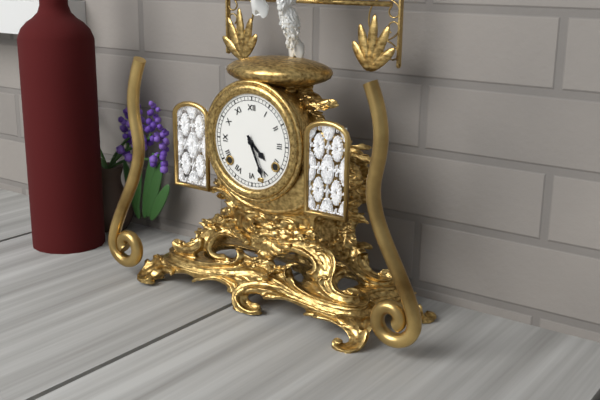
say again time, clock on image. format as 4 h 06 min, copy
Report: 4 h 26 min
